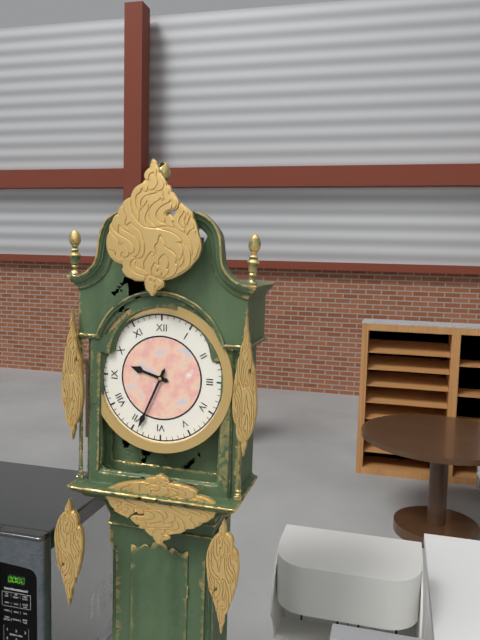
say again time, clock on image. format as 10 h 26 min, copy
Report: 9 h 34 min
